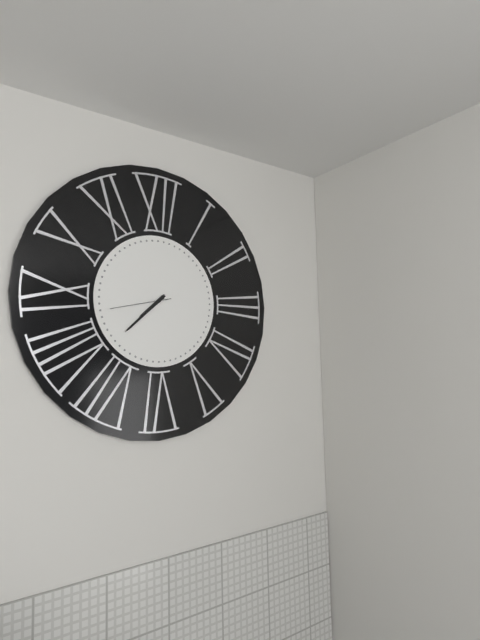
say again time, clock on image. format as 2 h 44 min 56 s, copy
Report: 7 h 38 min 43 s
